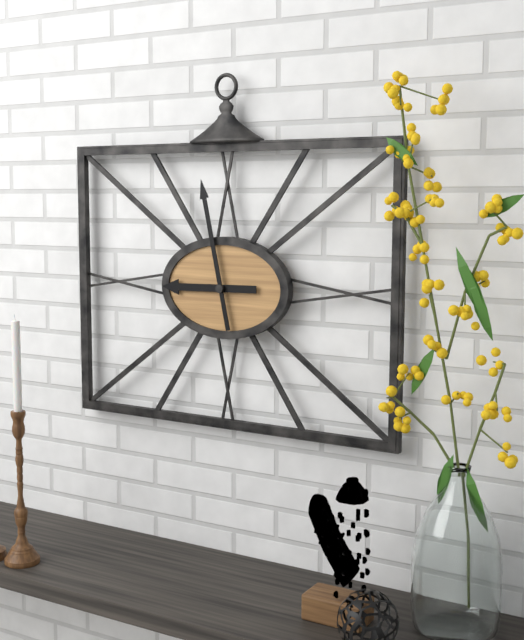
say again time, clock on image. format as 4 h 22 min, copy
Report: 8 h 58 min
